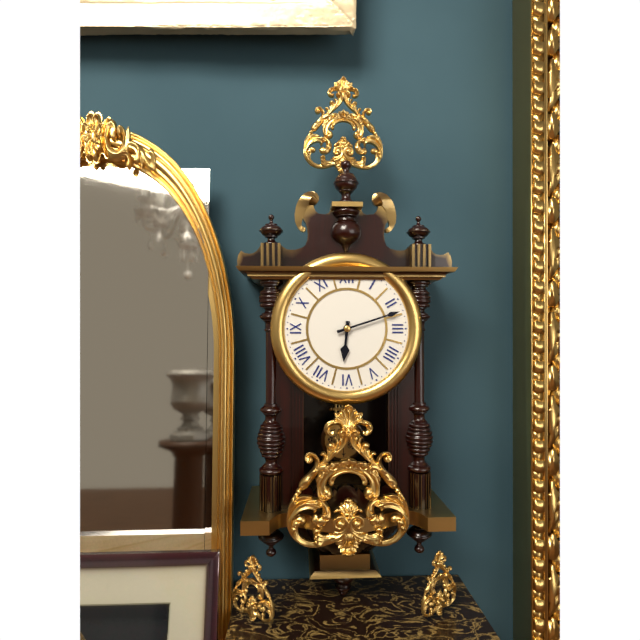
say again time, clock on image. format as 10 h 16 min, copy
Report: 6 h 12 min
